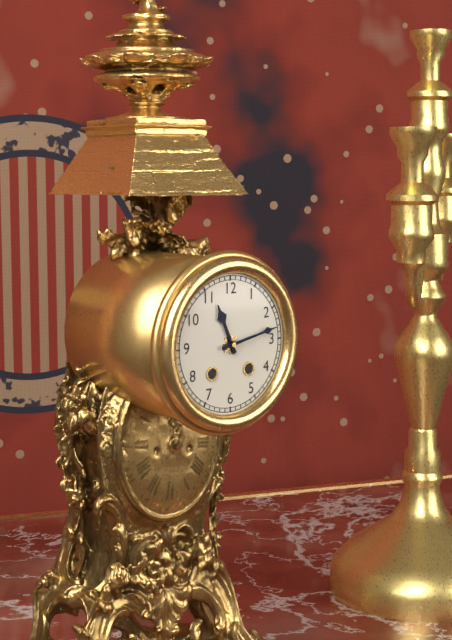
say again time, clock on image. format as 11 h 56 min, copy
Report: 11 h 13 min
